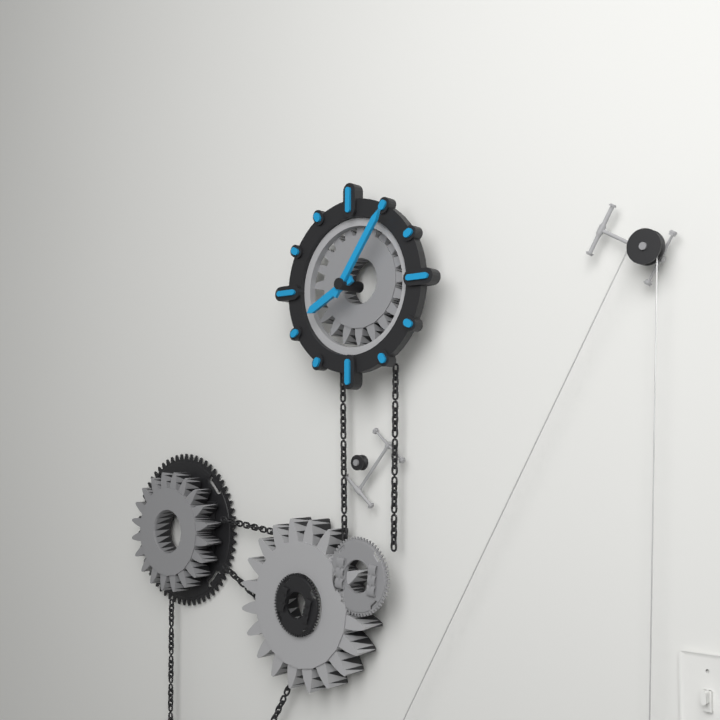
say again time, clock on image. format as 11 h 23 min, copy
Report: 8 h 06 min
